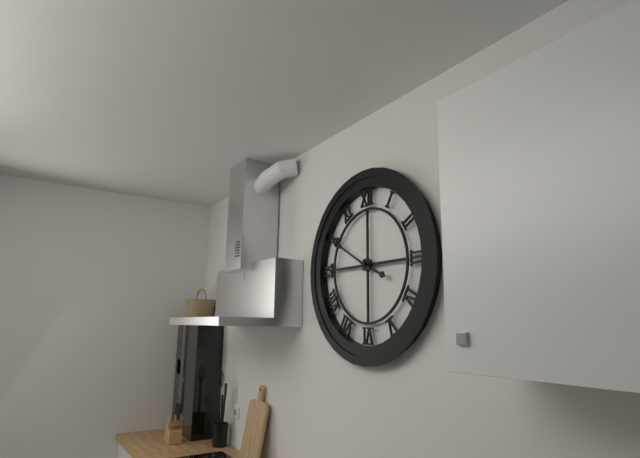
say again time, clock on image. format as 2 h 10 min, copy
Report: 3 h 50 min
